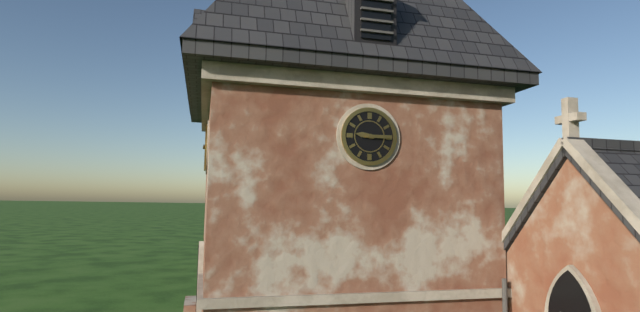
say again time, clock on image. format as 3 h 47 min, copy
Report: 9 h 15 min
